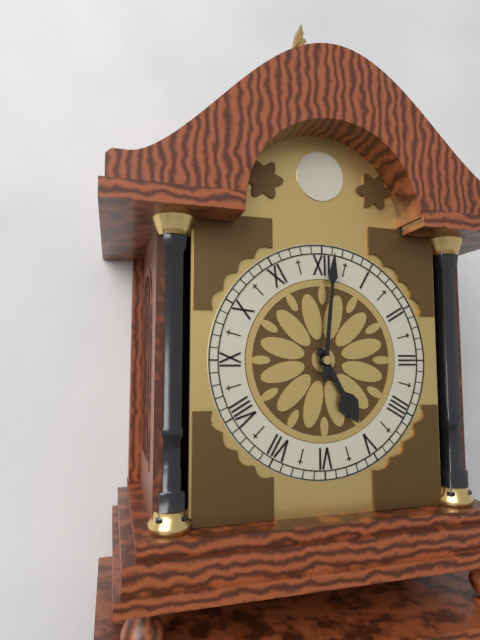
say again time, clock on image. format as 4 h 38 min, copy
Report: 5 h 01 min
